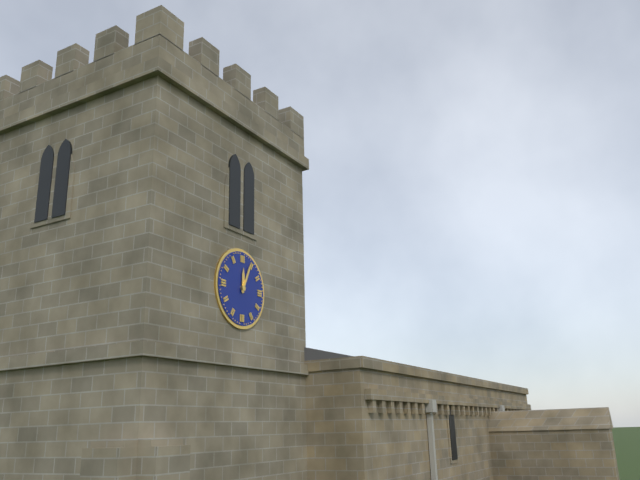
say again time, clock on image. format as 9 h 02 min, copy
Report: 12 h 04 min
